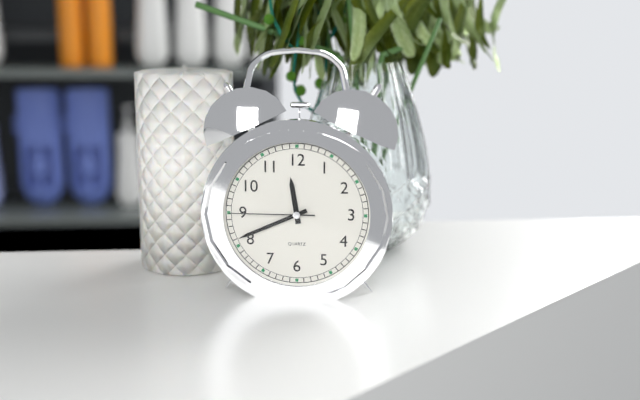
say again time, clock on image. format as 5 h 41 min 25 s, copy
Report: 11 h 41 min 45 s
